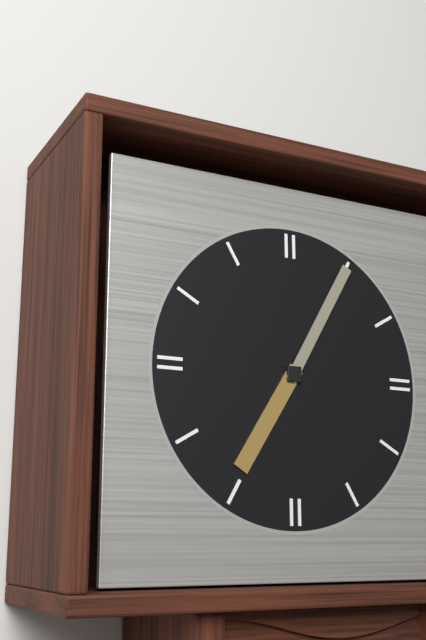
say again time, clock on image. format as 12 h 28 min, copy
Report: 7 h 05 min
